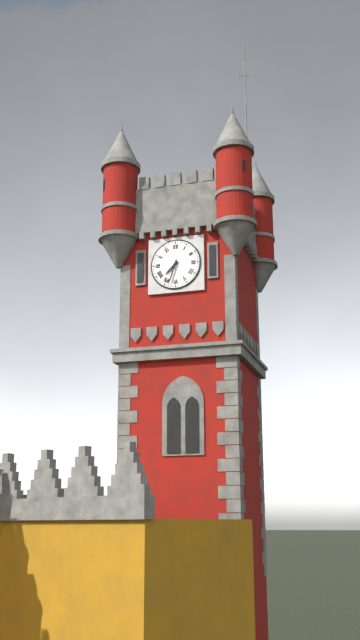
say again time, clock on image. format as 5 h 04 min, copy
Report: 7 h 33 min
